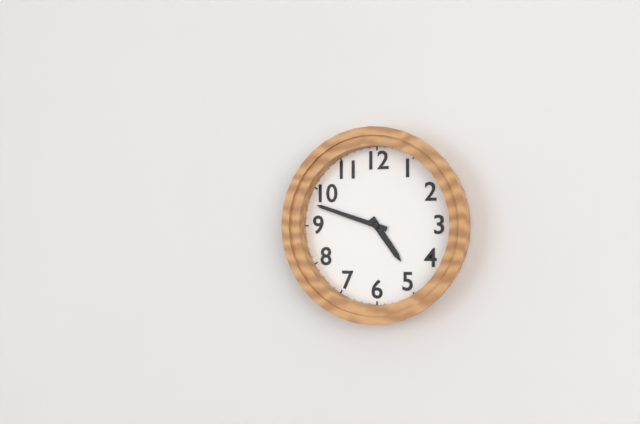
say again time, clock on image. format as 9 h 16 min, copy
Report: 4 h 48 min
